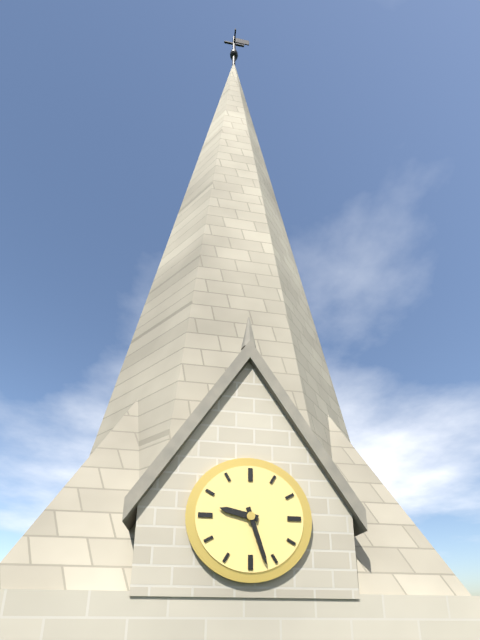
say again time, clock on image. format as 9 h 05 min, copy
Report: 9 h 27 min
